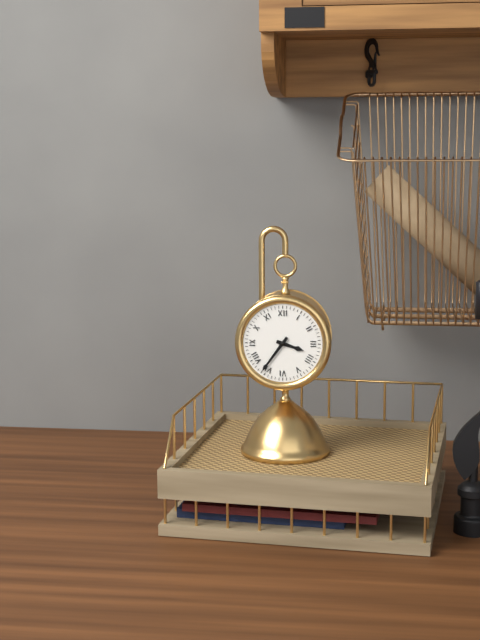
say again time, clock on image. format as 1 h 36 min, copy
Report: 3 h 36 min
